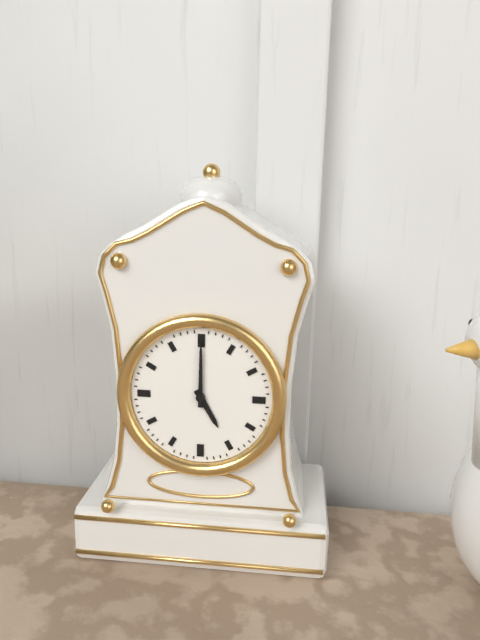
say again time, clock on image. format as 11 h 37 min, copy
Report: 5 h 00 min
